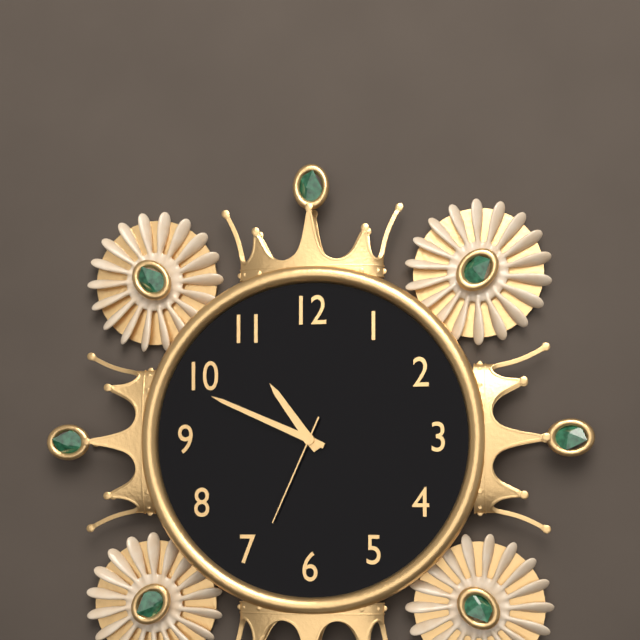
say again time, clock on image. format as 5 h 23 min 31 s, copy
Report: 10 h 49 min 34 s
